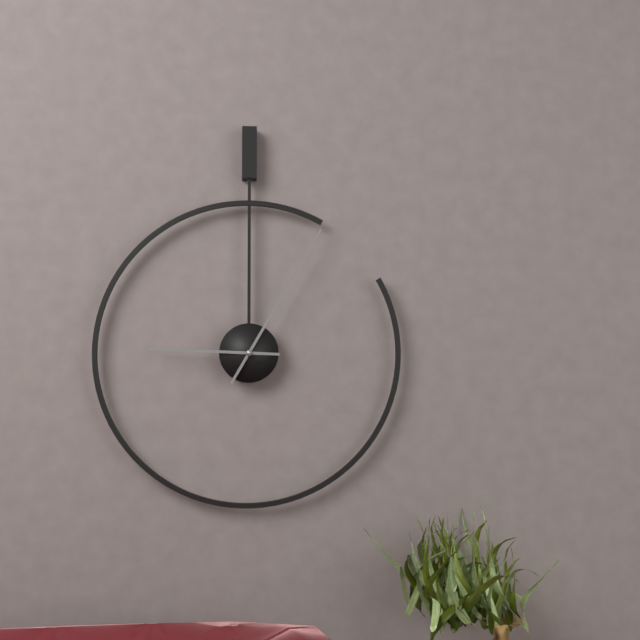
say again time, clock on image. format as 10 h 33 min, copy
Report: 9 h 05 min
